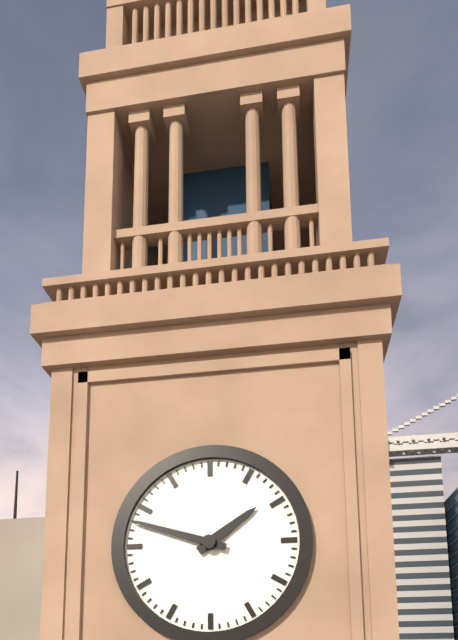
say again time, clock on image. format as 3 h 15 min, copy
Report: 1 h 48 min
